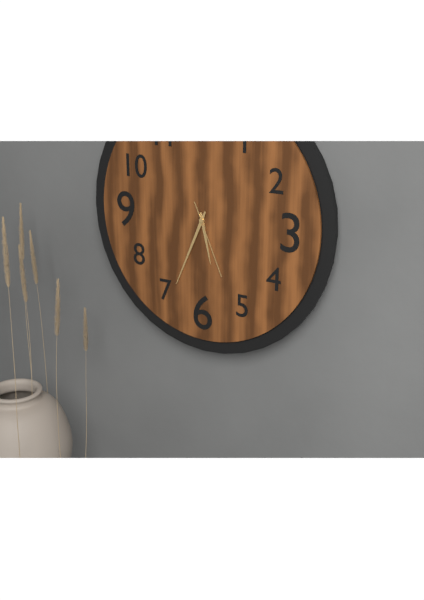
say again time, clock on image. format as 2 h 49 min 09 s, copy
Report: 5 h 34 min 26 s
